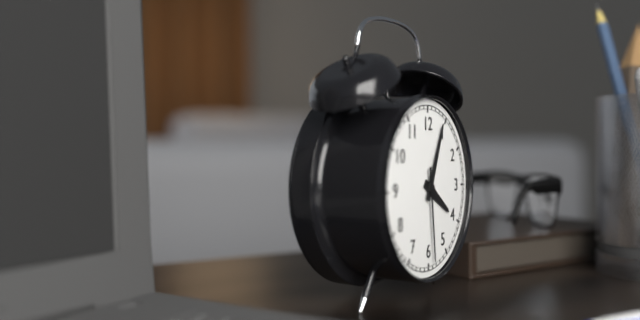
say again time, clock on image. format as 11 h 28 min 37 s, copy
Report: 4 h 04 min 29 s
